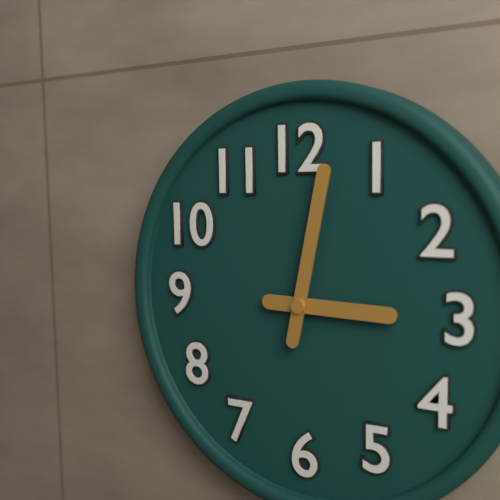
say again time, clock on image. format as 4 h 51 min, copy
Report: 3 h 02 min
